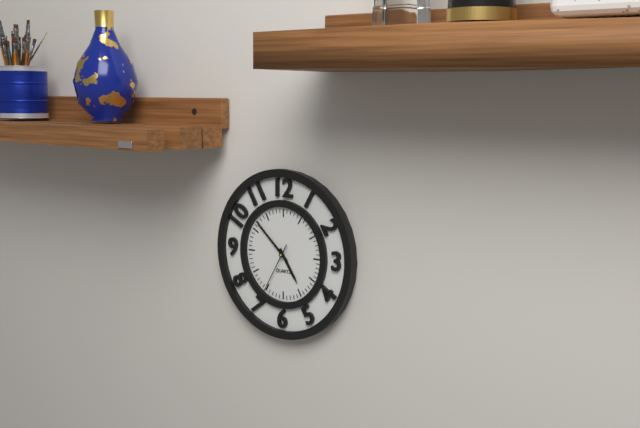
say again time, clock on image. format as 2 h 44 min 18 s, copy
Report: 4 h 52 min 35 s
